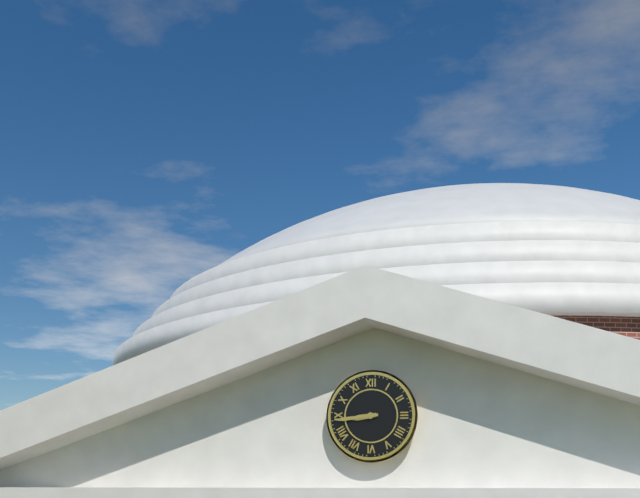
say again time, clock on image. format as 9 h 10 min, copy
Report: 8 h 44 min
